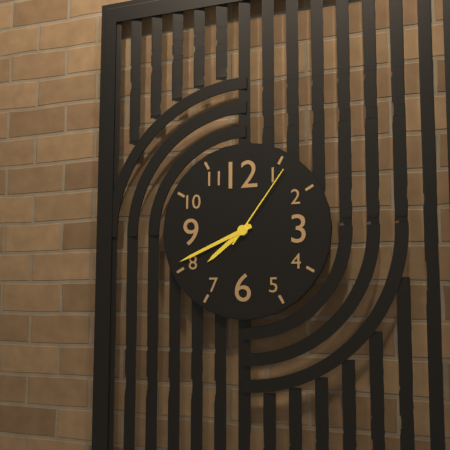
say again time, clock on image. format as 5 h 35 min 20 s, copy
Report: 7 h 41 min 06 s
